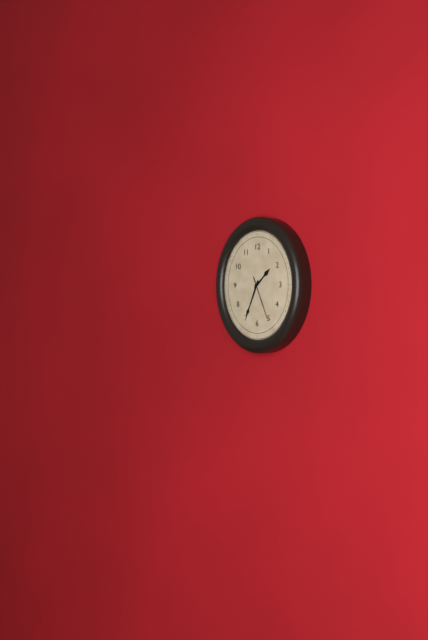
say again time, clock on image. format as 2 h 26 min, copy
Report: 1 h 34 min
